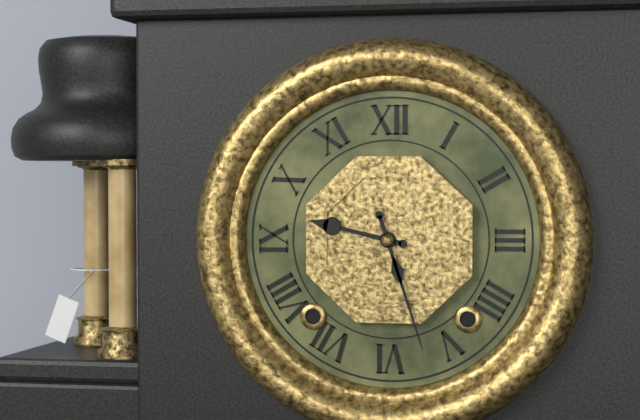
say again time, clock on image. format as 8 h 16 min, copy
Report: 9 h 27 min
